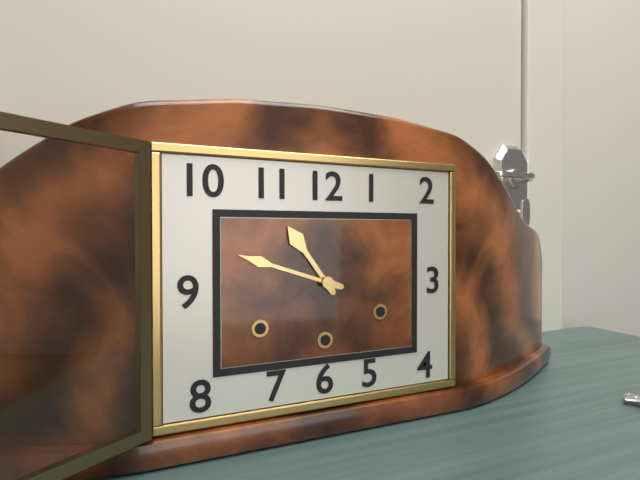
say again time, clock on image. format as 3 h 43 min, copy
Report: 10 h 48 min
